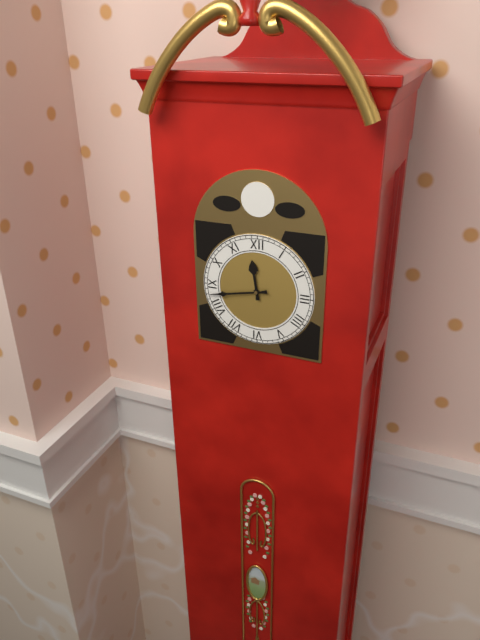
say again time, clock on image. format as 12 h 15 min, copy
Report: 11 h 43 min
